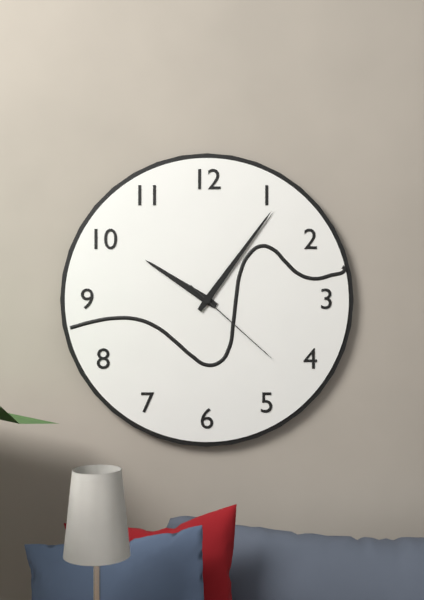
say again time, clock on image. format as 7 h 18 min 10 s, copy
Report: 10 h 06 min 22 s
